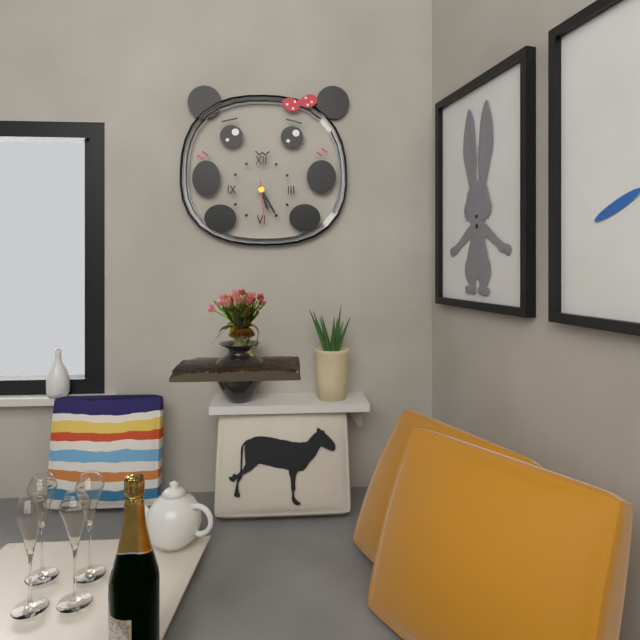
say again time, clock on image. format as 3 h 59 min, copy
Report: 5 h 25 min
